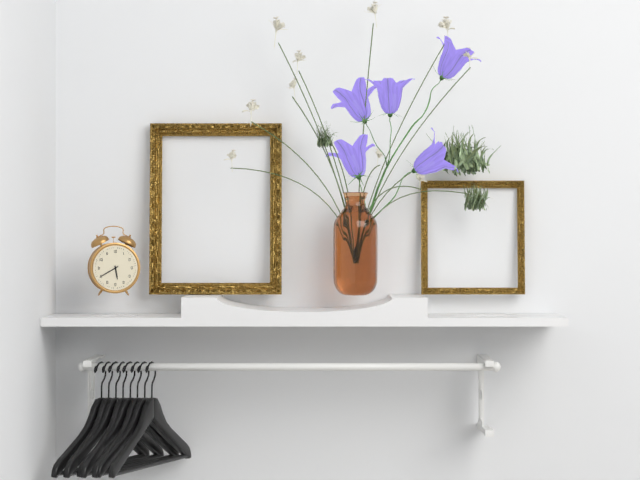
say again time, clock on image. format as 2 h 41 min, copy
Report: 5 h 40 min
